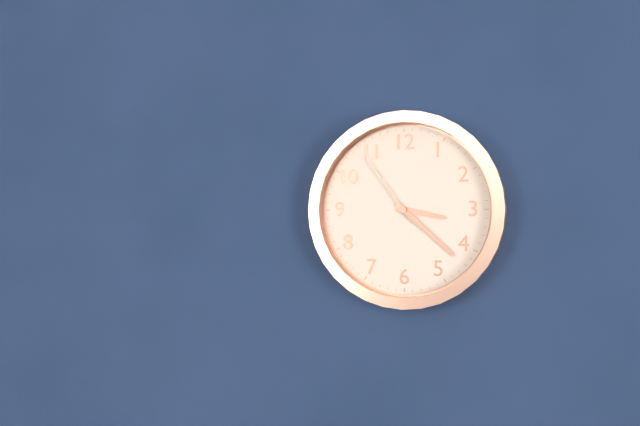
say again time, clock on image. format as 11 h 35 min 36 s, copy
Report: 3 h 22 min 54 s
